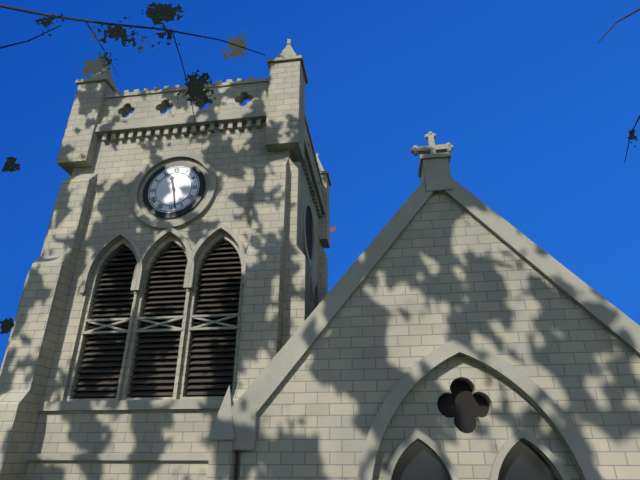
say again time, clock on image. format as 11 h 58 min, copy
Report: 11 h 28 min
